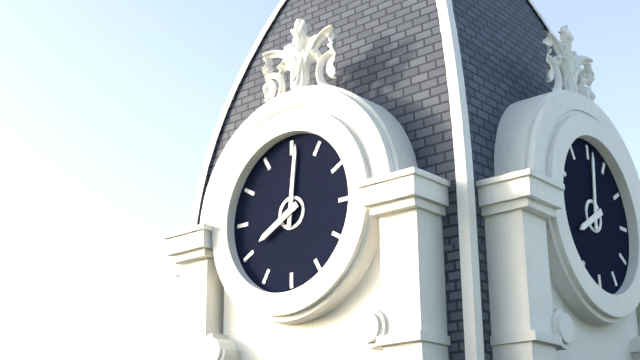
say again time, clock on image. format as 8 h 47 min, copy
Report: 8 h 01 min
